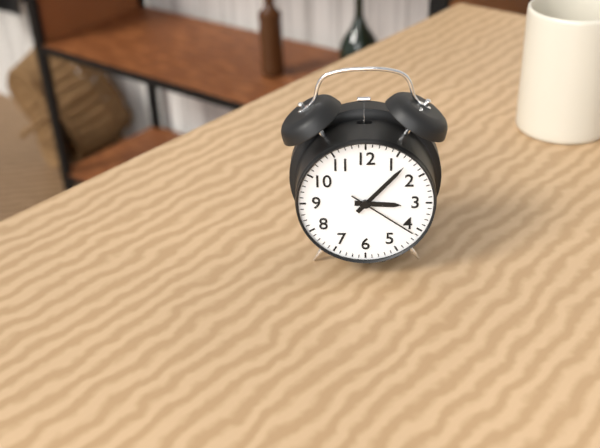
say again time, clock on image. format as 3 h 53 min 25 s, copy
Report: 3 h 07 min 21 s
